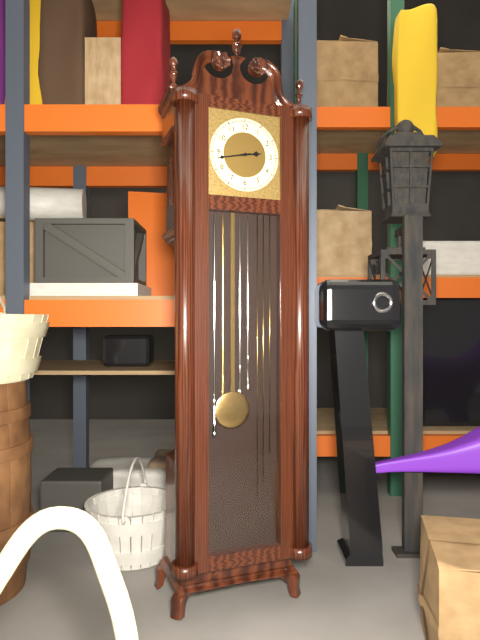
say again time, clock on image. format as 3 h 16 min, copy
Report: 2 h 43 min
